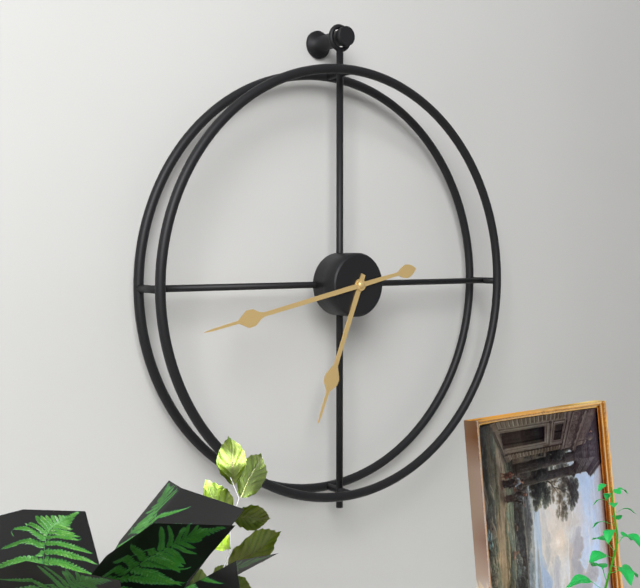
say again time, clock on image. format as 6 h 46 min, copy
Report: 6 h 43 min
